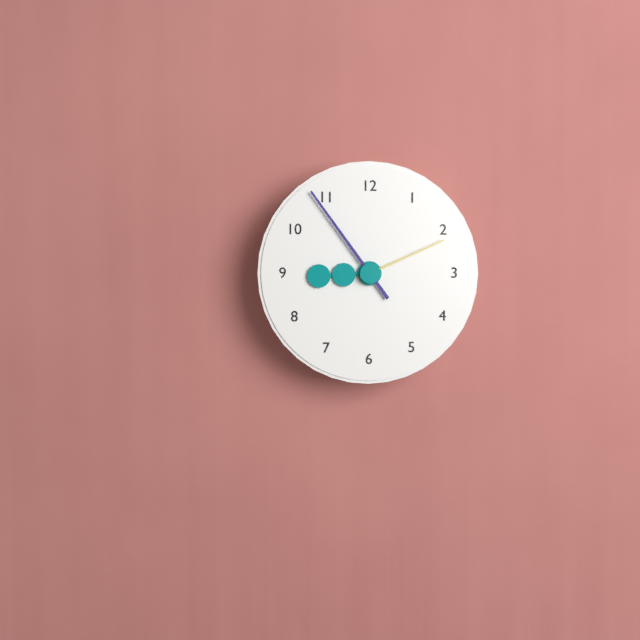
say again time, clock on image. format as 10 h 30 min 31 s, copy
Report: 8 h 54 min 11 s
